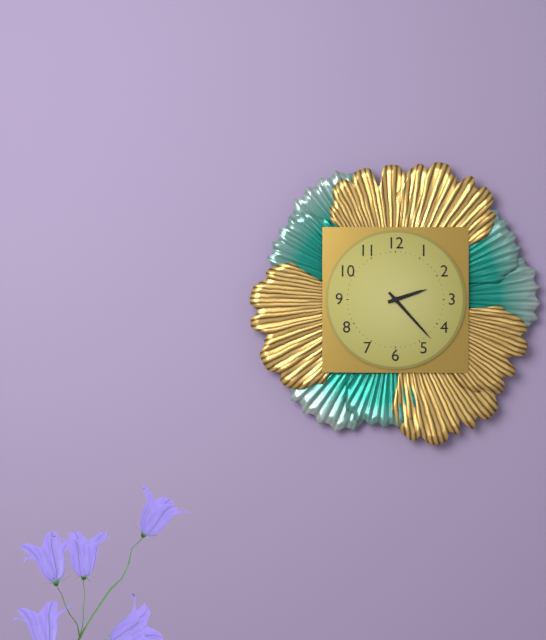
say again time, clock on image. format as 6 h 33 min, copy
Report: 2 h 23 min
